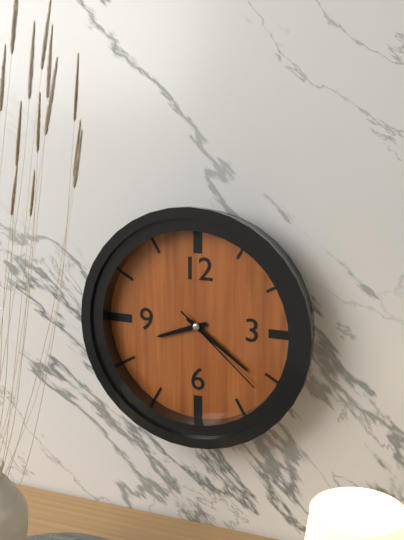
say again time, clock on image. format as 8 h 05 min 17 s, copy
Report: 8 h 21 min 22 s
